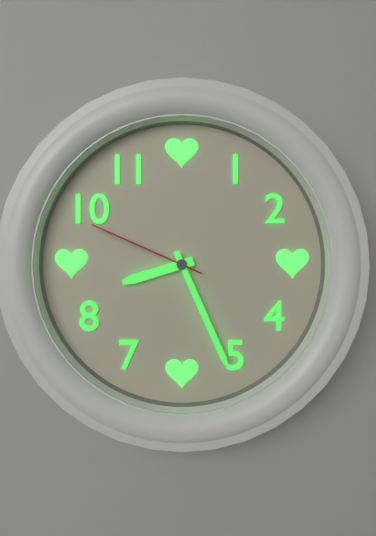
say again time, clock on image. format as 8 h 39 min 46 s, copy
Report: 8 h 26 min 49 s
